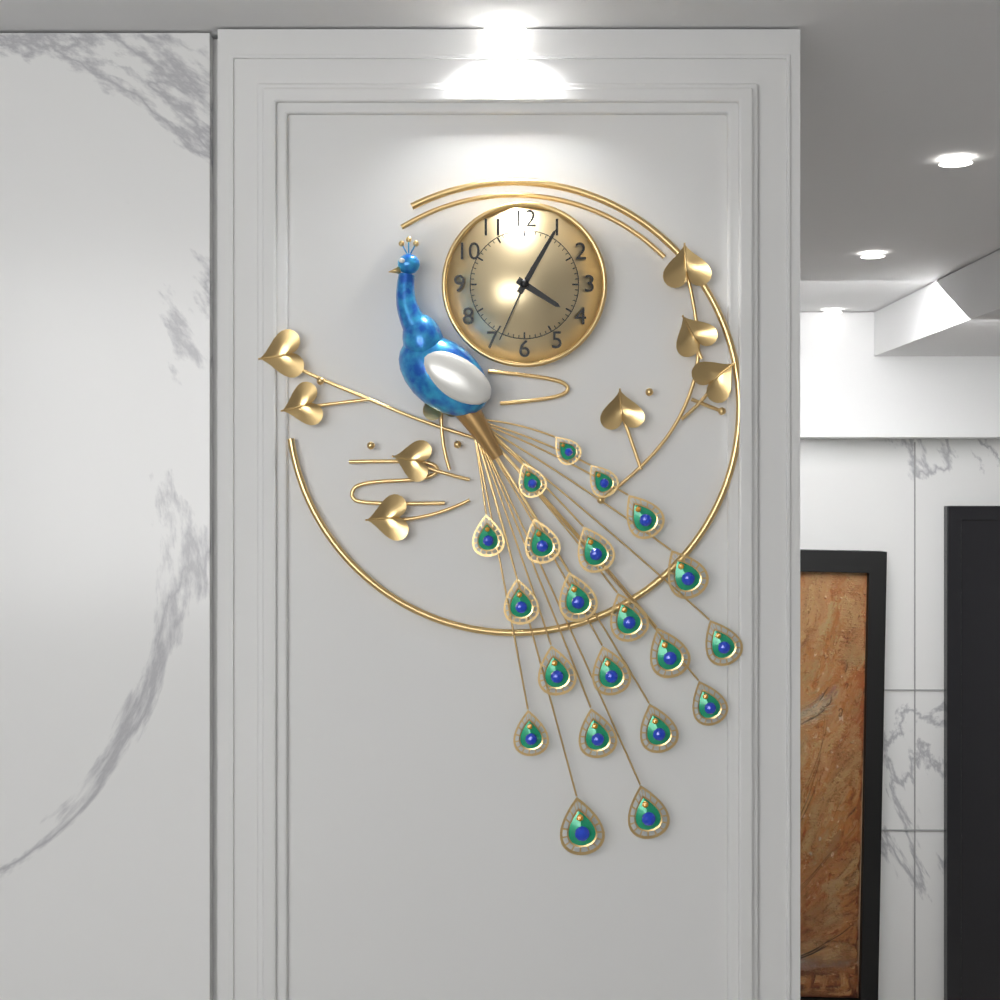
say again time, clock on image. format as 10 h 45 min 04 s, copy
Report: 4 h 05 min 34 s
